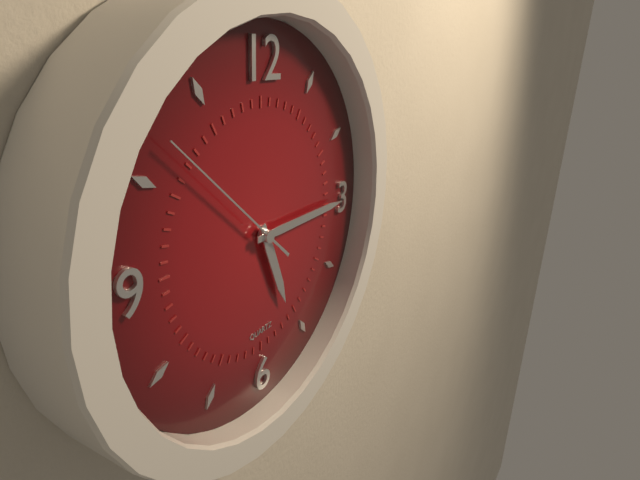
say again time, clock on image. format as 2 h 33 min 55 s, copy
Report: 5 h 15 min 52 s
